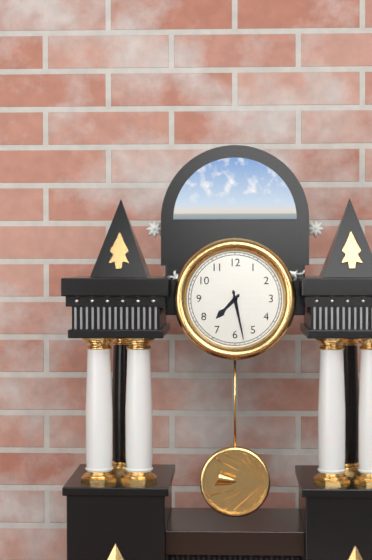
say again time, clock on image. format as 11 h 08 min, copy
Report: 7 h 28 min
